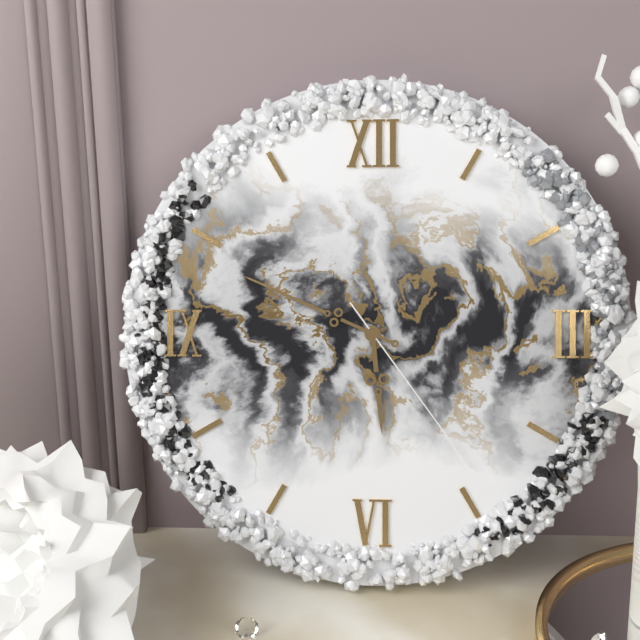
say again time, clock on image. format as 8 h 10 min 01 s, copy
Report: 5 h 49 min 24 s
